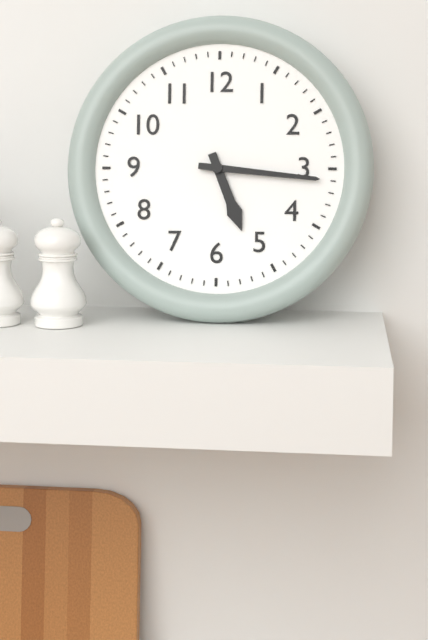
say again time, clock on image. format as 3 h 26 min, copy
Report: 5 h 16 min
